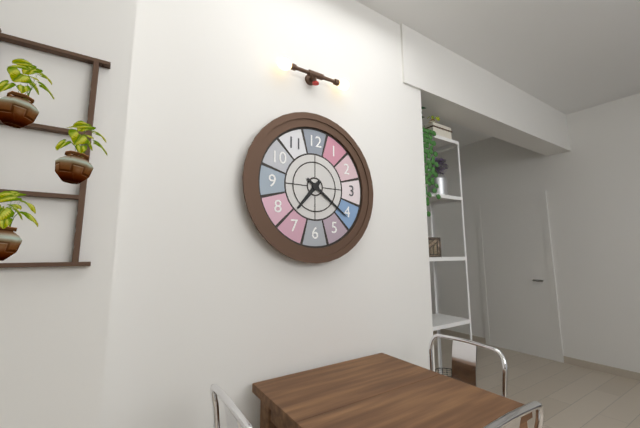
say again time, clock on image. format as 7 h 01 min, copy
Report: 7 h 21 min
